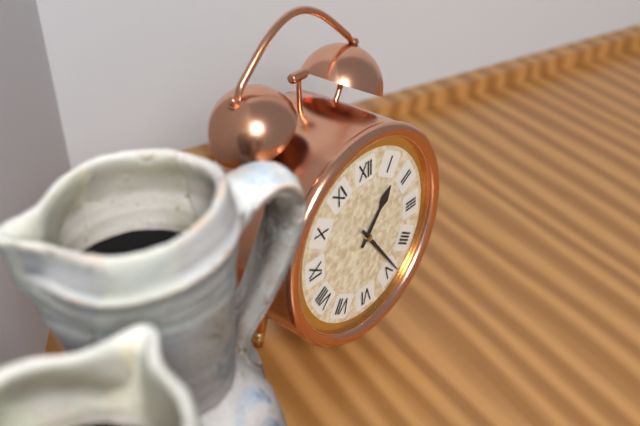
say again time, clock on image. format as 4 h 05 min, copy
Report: 1 h 24 min
